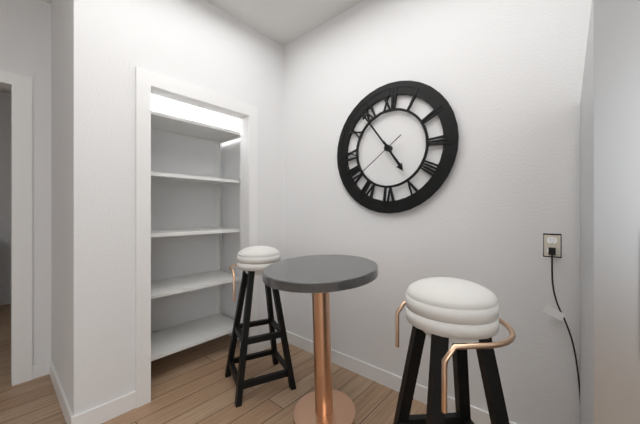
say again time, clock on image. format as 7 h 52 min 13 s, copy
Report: 4 h 54 min 39 s
